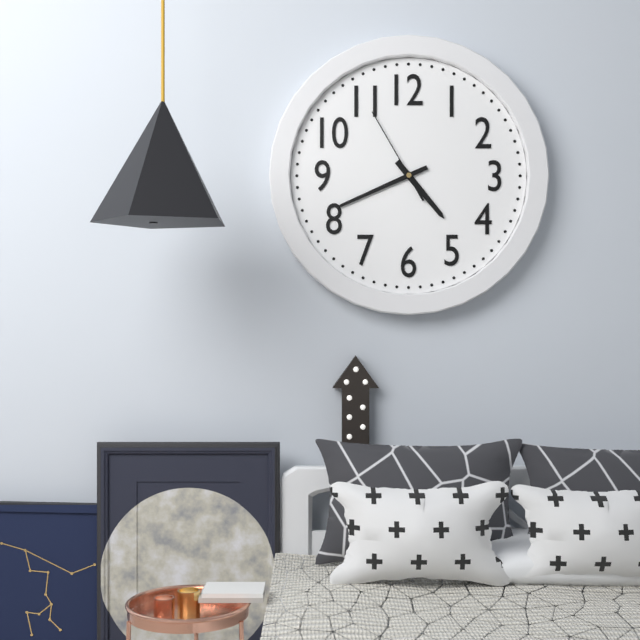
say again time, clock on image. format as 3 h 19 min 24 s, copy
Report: 4 h 41 min 55 s
